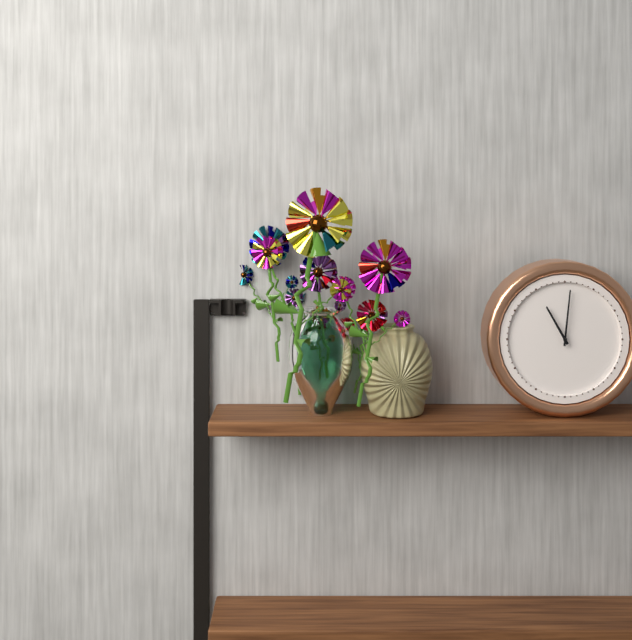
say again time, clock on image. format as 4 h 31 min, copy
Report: 11 h 01 min
